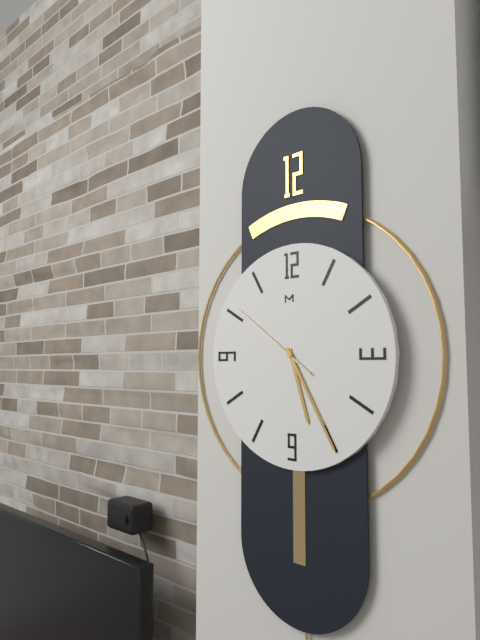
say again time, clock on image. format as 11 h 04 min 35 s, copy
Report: 5 h 25 min 51 s
